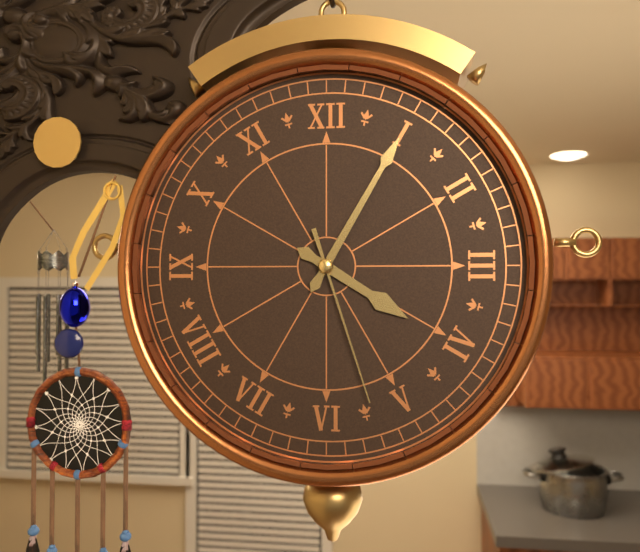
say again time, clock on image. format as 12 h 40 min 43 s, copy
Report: 4 h 05 min 27 s
